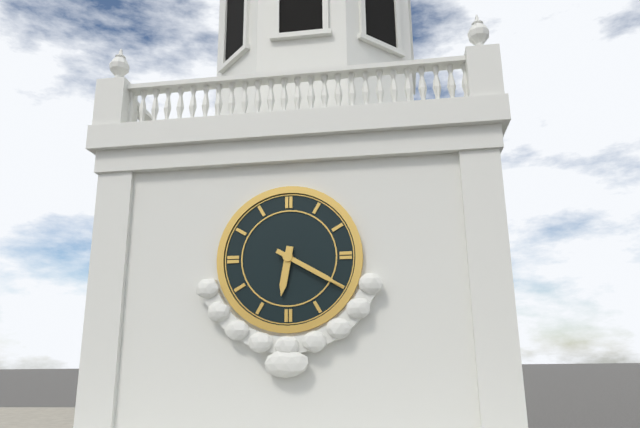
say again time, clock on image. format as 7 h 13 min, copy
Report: 6 h 20 min
